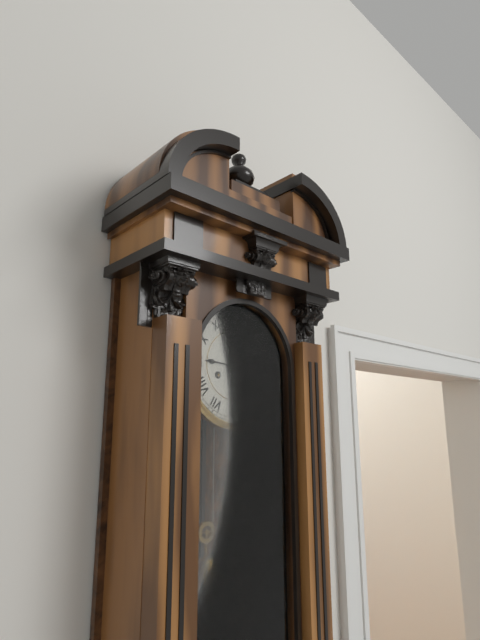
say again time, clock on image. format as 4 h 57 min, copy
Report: 9 h 07 min
